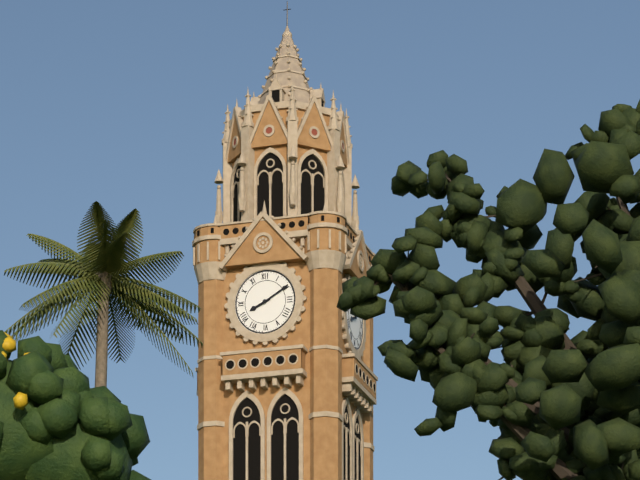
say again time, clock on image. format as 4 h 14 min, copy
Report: 8 h 10 min
